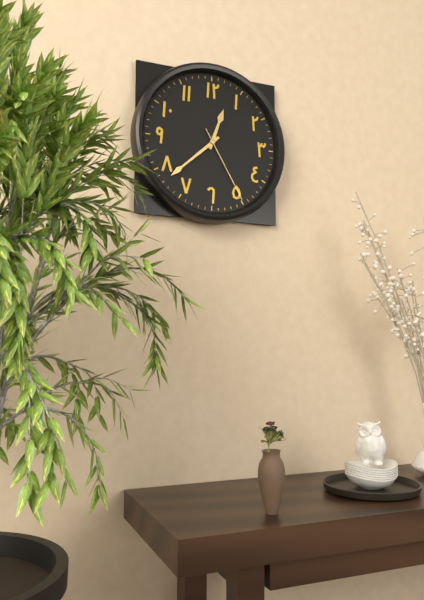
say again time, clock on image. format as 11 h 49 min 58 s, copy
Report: 12 h 38 min 25 s
